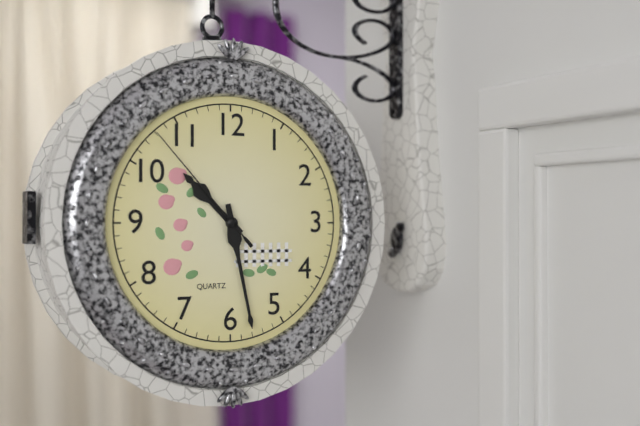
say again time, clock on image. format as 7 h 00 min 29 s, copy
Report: 10 h 28 min 53 s
